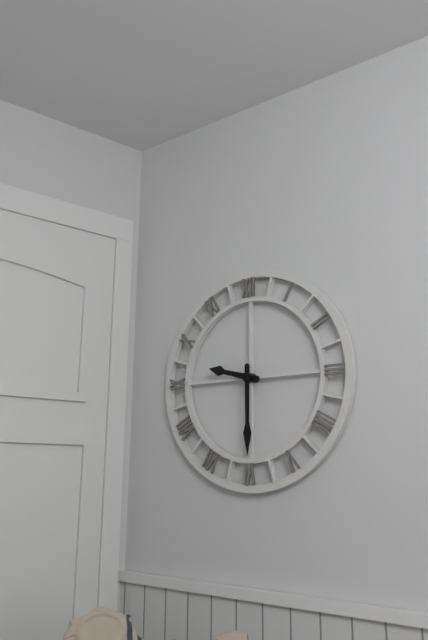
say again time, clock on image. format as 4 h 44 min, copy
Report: 9 h 30 min
